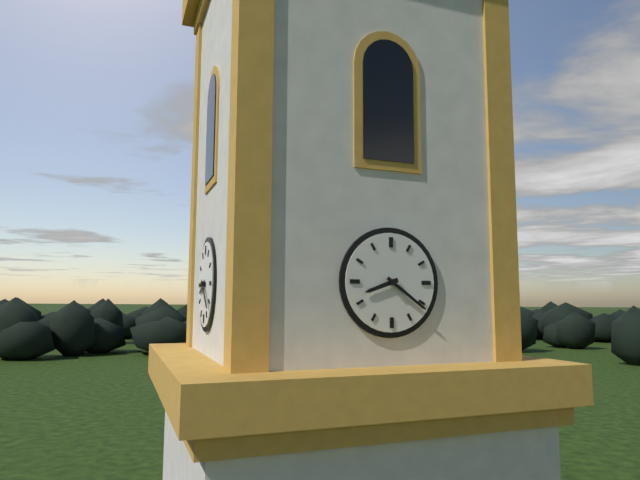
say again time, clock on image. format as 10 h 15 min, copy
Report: 8 h 21 min
